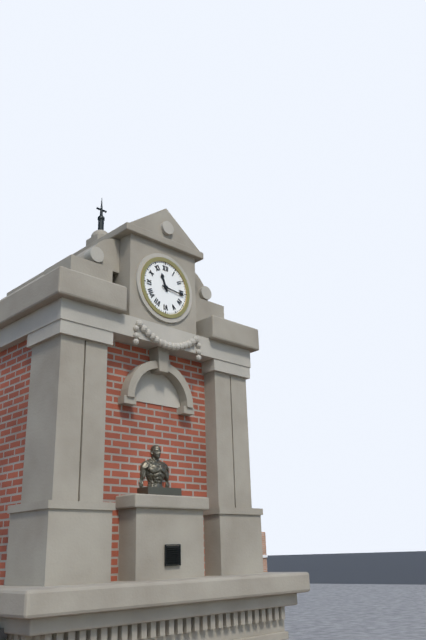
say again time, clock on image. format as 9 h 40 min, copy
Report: 11 h 16 min
